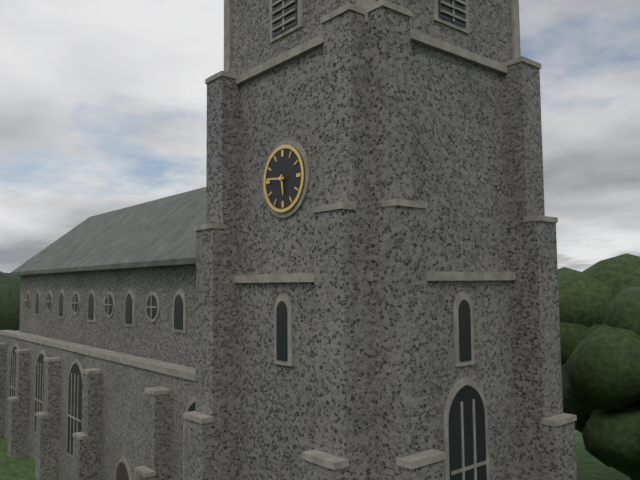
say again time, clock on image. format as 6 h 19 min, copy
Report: 5 h 46 min
